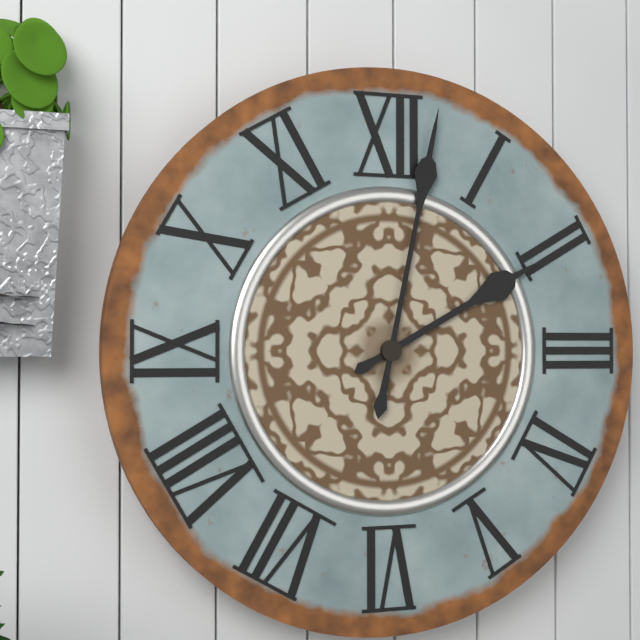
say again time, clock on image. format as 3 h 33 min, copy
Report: 2 h 02 min
